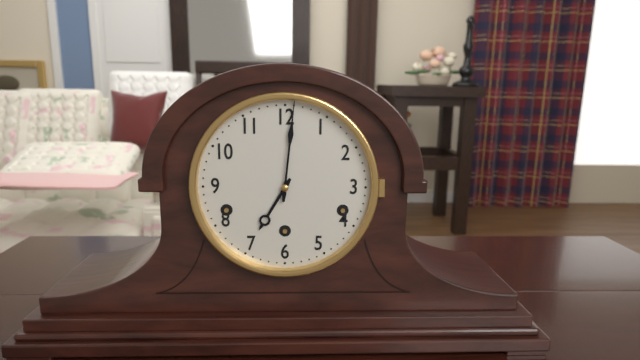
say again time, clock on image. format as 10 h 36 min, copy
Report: 7 h 01 min
